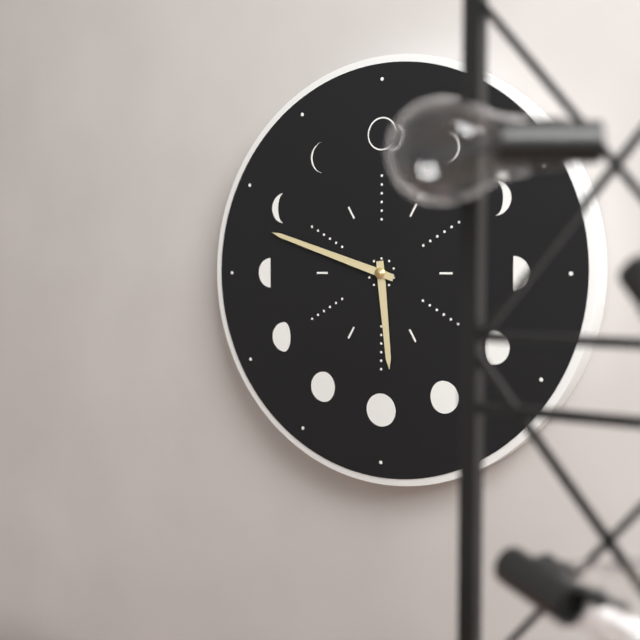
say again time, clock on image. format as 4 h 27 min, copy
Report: 5 h 48 min
